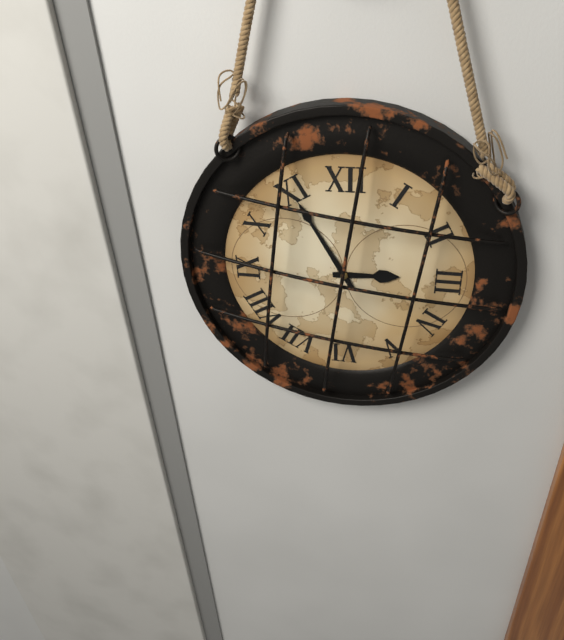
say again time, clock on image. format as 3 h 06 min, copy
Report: 2 h 55 min
